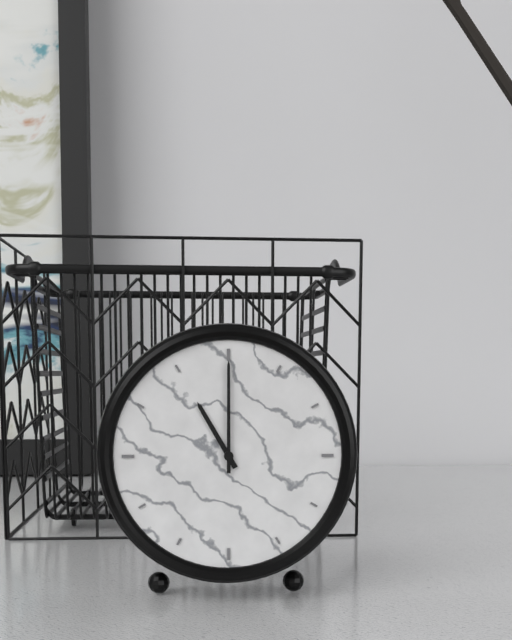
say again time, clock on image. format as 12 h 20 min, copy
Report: 11 h 00 min
